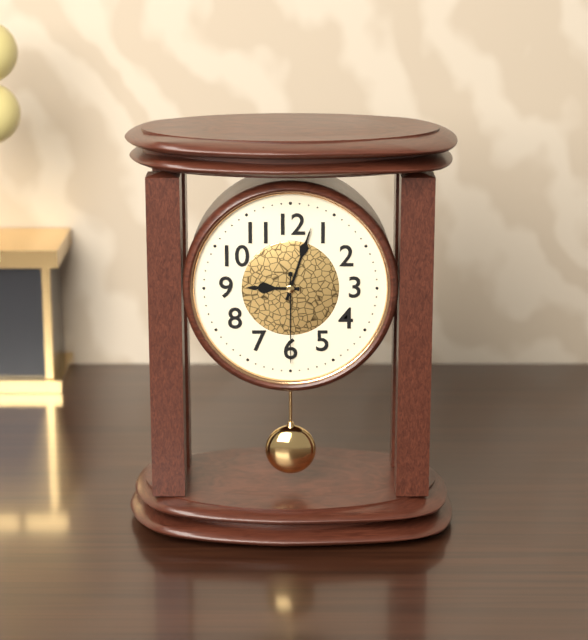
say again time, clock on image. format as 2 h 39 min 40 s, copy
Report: 9 h 03 min 30 s
